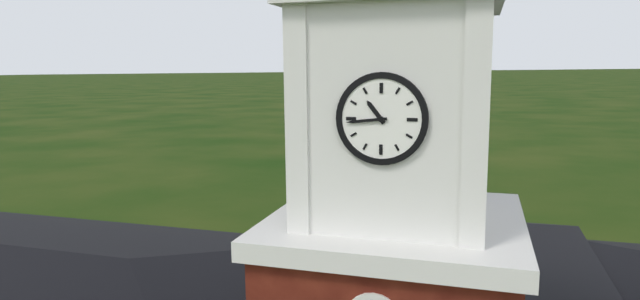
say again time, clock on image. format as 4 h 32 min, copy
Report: 10 h 44 min
